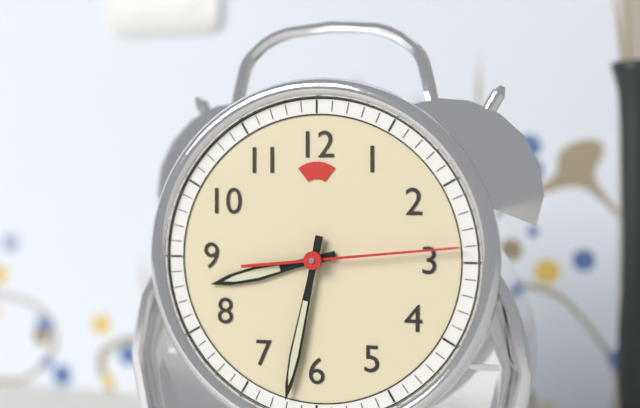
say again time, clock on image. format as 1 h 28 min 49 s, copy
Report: 8 h 32 min 14 s
